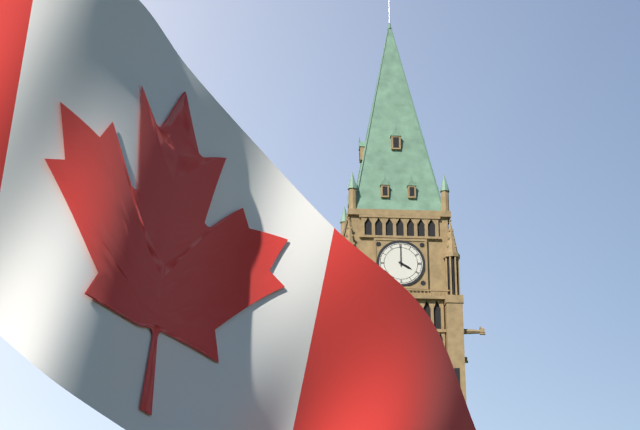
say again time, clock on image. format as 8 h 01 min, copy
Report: 4 h 00 min
